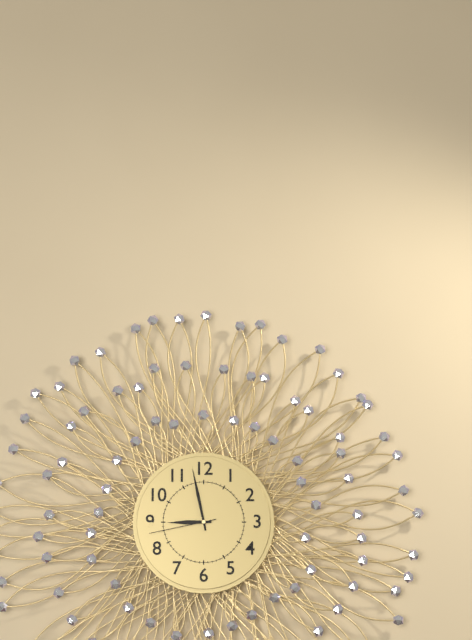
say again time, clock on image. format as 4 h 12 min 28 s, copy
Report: 8 h 58 min 43 s
